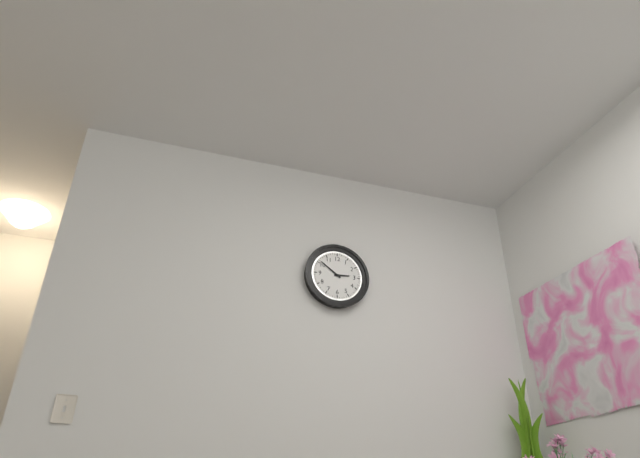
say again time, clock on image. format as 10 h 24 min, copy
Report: 2 h 51 min
